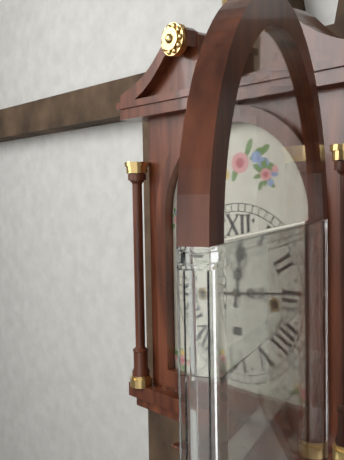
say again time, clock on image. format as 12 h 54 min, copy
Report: 12 h 14 min
